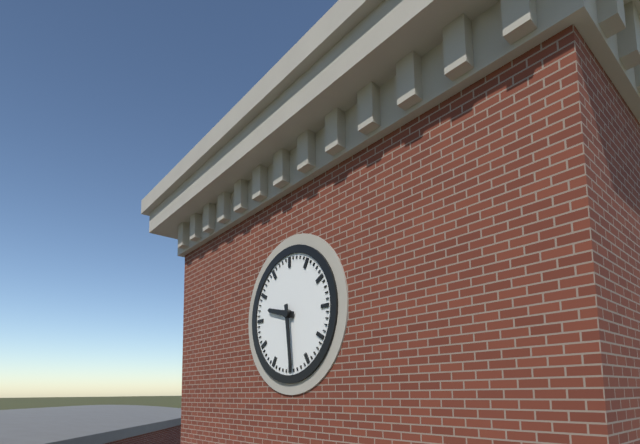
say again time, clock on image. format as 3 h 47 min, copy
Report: 9 h 29 min
